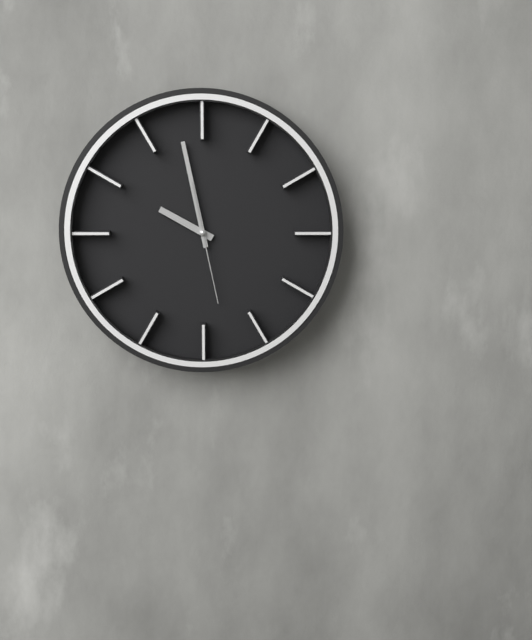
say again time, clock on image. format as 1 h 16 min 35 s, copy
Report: 9 h 58 min 28 s
